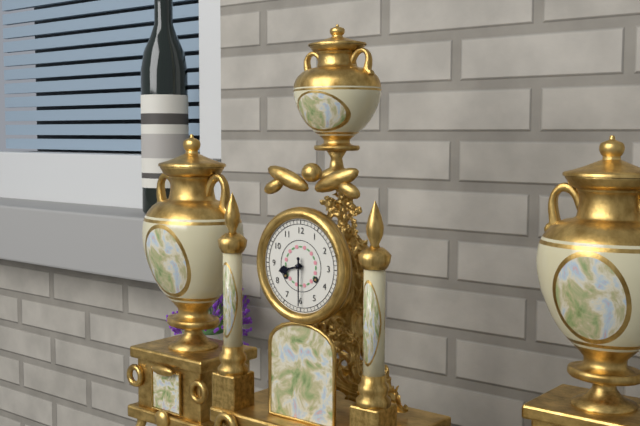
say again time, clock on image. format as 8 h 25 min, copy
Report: 8 h 30 min
